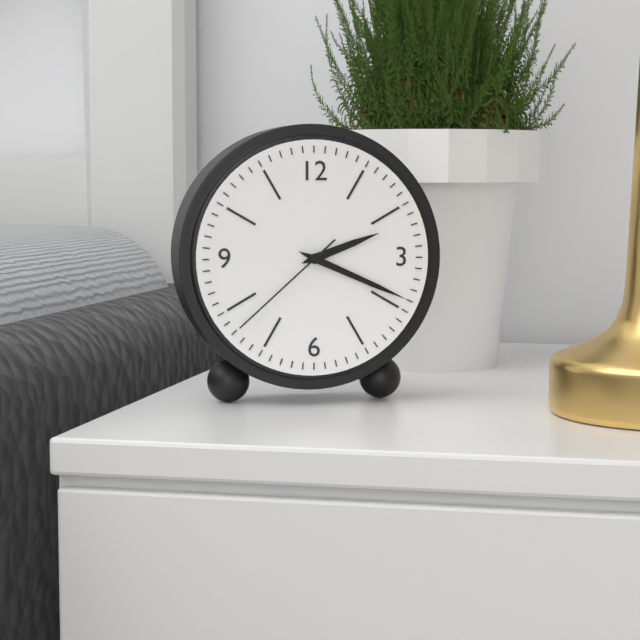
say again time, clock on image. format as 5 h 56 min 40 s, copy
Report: 2 h 19 min 38 s
